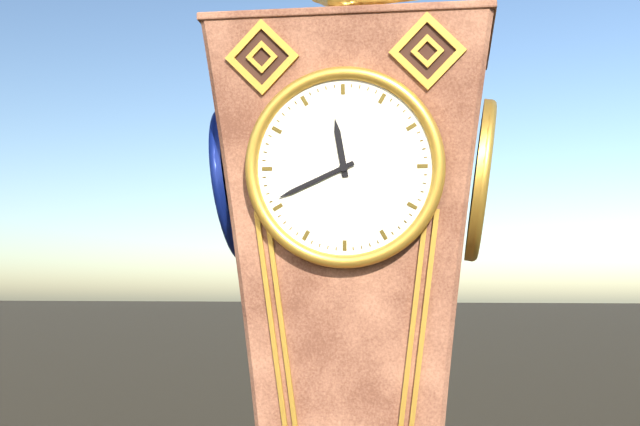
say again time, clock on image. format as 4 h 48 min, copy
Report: 11 h 41 min
